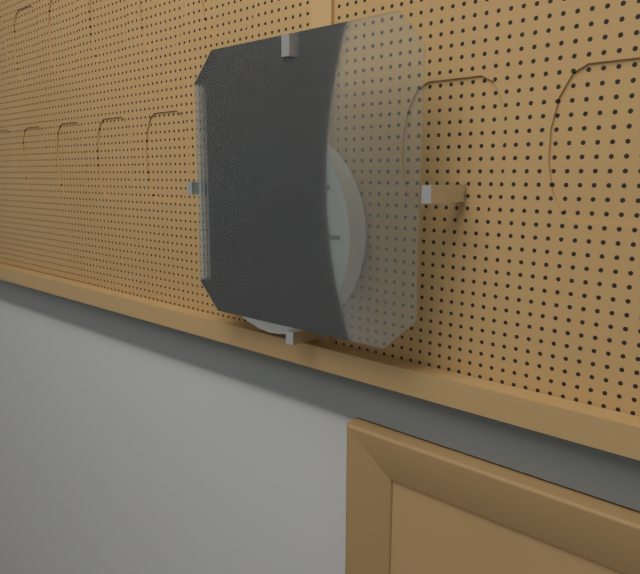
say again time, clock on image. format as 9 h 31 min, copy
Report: 1 h 43 min
